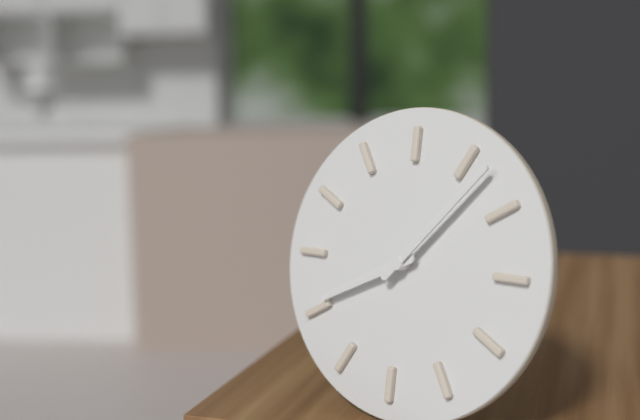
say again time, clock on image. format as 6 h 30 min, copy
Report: 8 h 07 min
